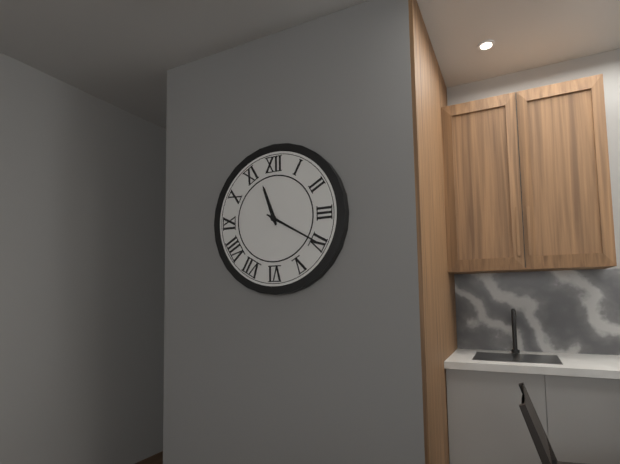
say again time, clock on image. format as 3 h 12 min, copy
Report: 11 h 20 min
